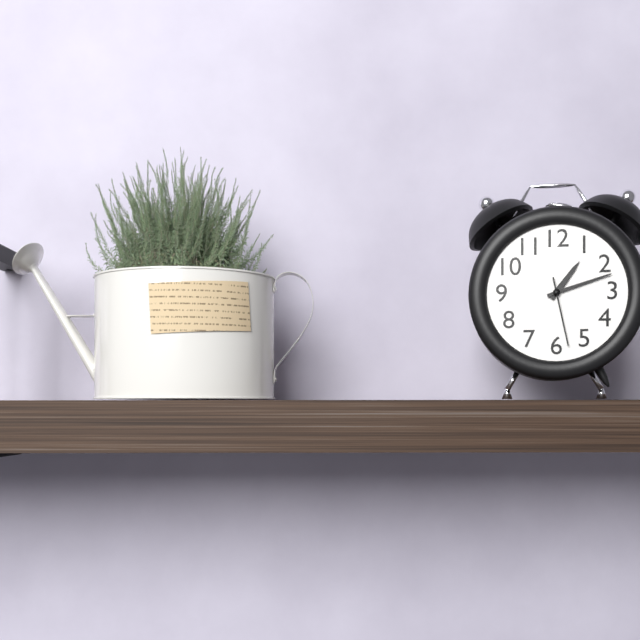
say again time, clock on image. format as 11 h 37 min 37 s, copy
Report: 1 h 12 min 28 s
